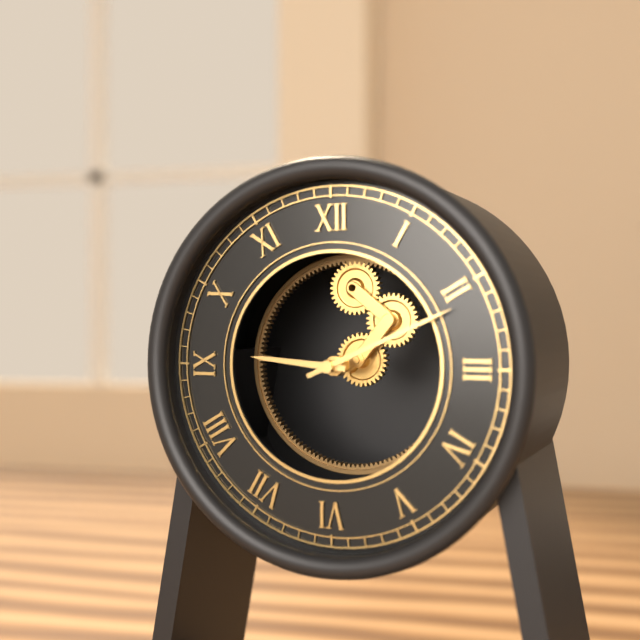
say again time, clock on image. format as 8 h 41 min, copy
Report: 9 h 11 min
